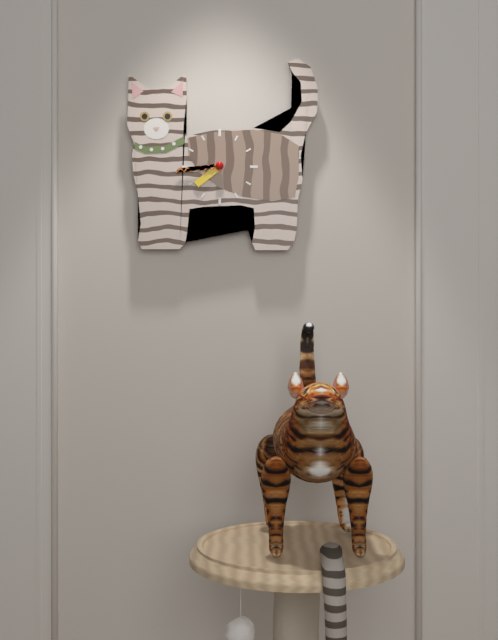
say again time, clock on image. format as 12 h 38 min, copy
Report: 7 h 44 min
